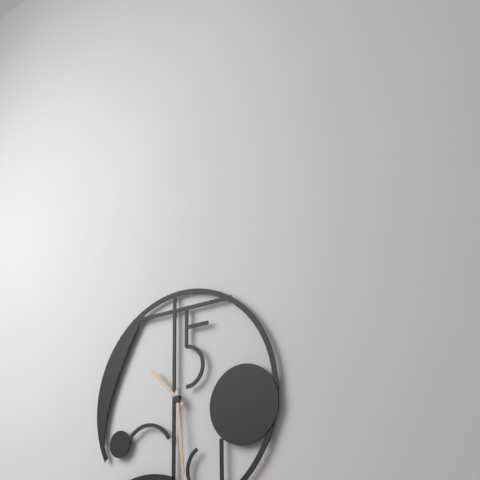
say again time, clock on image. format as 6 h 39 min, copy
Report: 10 h 29 min
